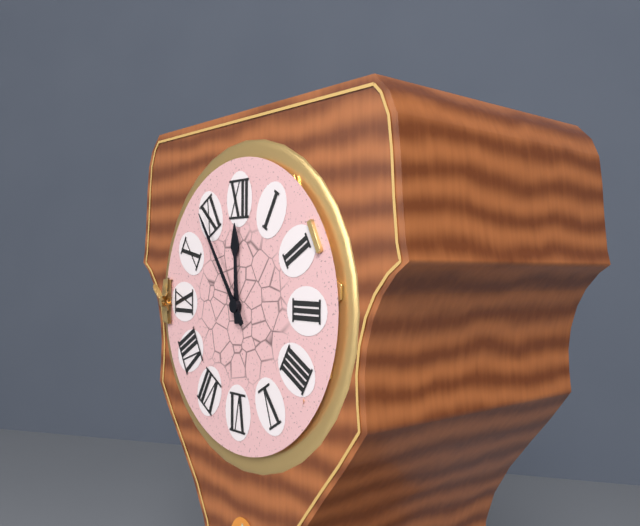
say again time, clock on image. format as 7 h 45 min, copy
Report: 11 h 54 min
